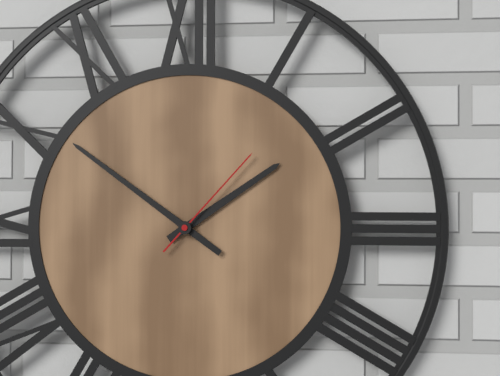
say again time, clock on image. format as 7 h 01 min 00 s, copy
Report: 1 h 51 min 07 s
